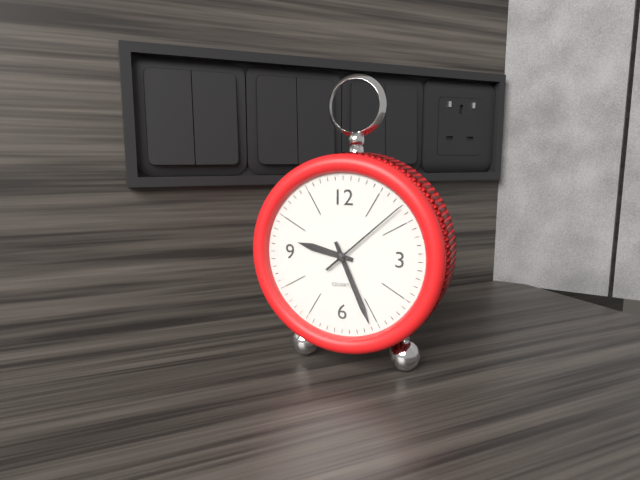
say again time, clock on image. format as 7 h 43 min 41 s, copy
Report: 9 h 26 min 08 s
